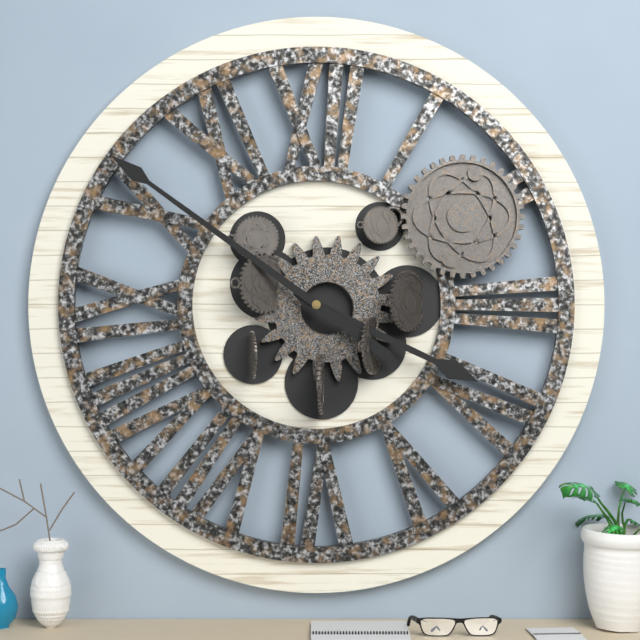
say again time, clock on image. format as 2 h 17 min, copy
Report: 3 h 51 min
